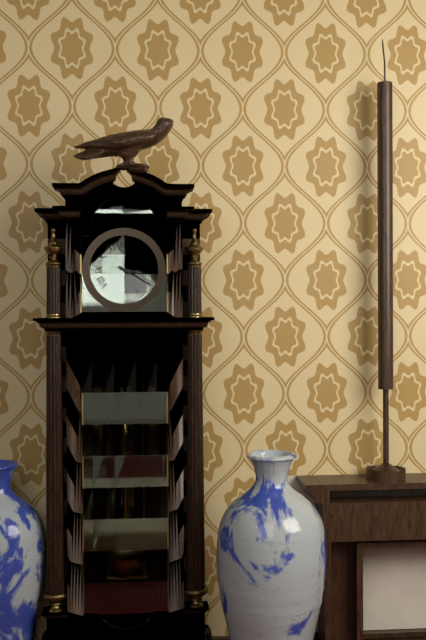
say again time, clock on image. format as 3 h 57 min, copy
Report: 3 h 20 min
